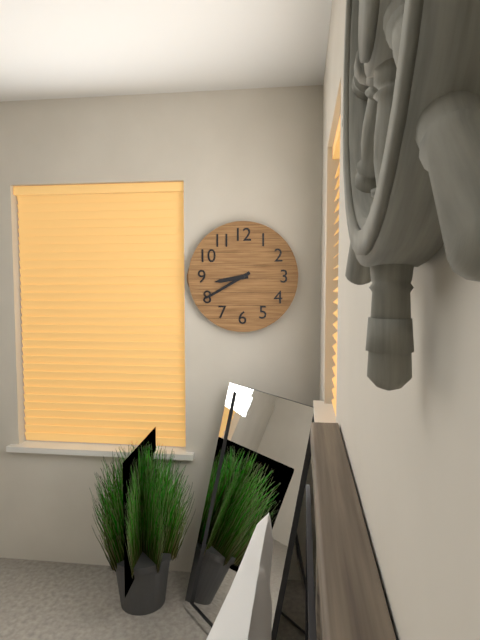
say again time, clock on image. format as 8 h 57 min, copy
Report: 8 h 40 min
